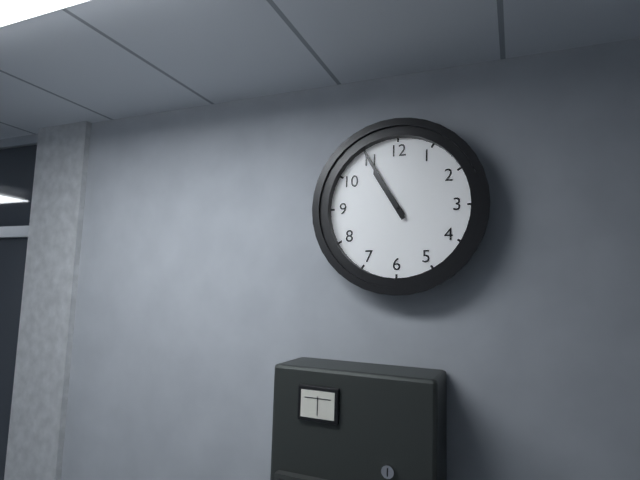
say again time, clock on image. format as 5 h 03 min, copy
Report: 10 h 55 min
